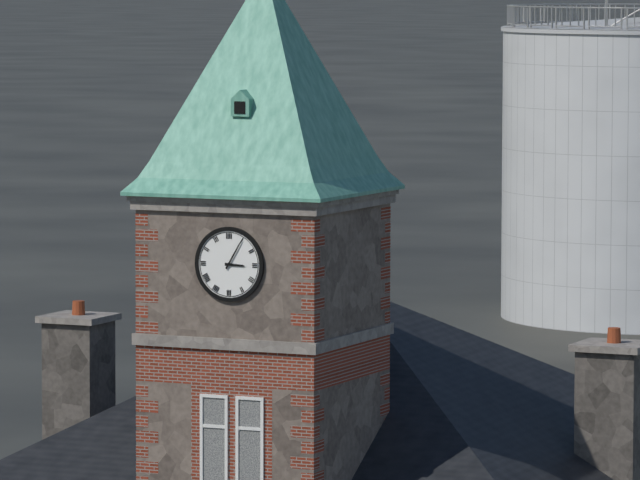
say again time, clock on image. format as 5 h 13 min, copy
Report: 3 h 05 min
